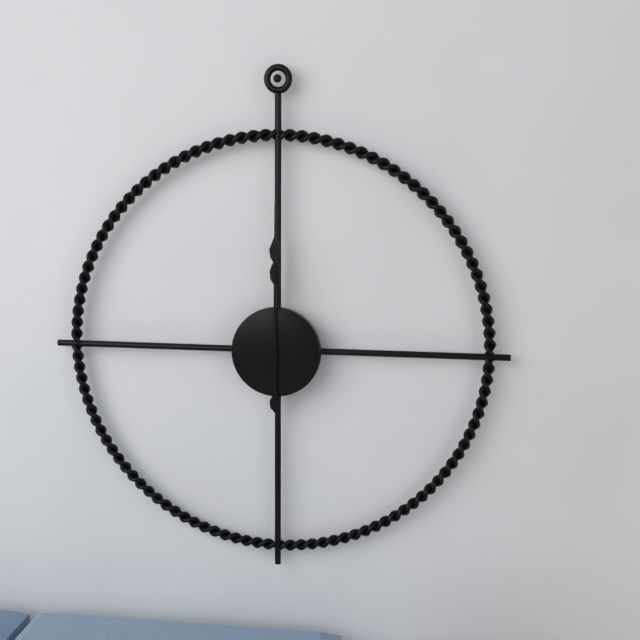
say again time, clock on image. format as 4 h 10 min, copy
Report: 12 h 00 min
